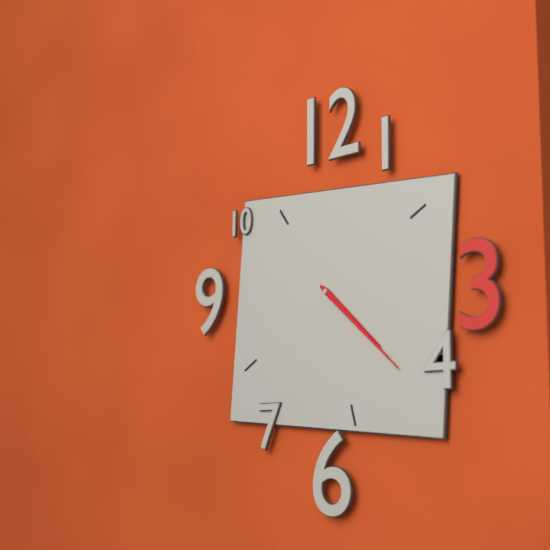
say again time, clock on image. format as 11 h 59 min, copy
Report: 4 h 22 min
